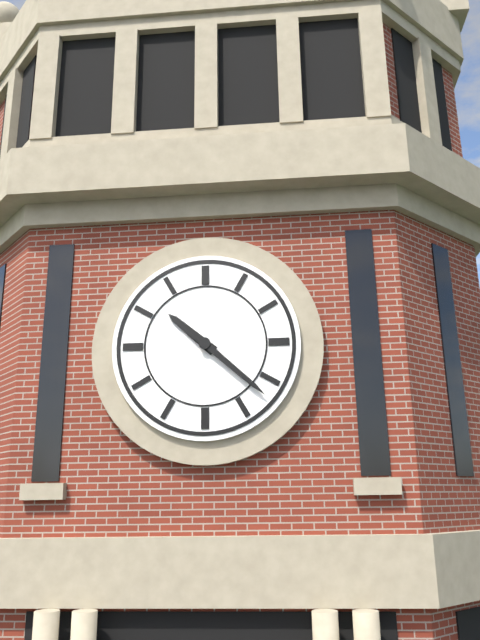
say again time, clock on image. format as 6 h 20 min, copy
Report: 10 h 22 min
